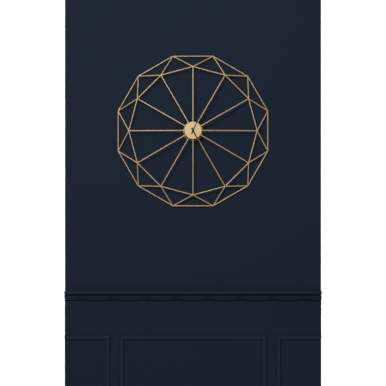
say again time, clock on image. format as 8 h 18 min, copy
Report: 5 h 04 min
